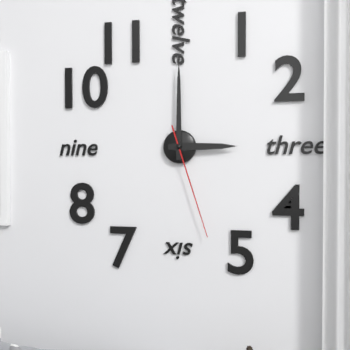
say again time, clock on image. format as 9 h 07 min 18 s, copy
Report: 3 h 00 min 27 s
